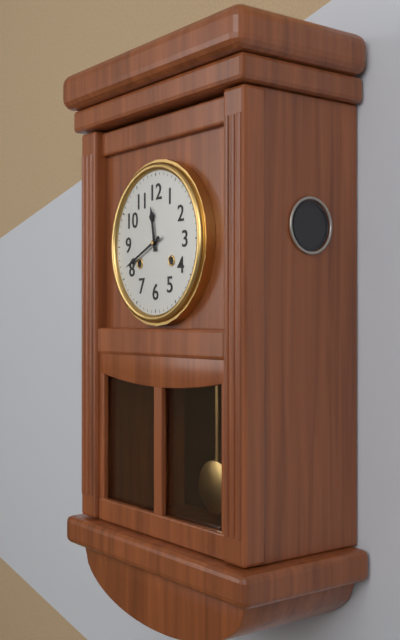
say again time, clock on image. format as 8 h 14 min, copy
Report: 11 h 41 min
